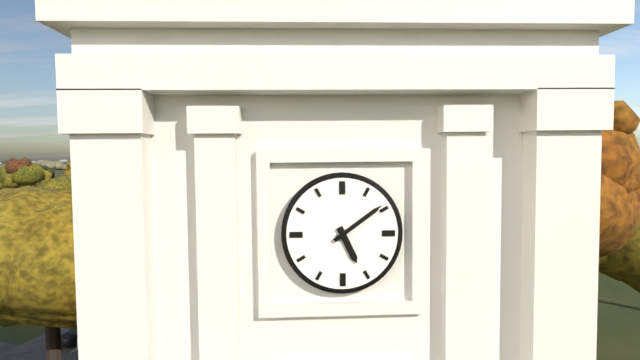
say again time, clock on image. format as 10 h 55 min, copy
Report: 5 h 09 min
